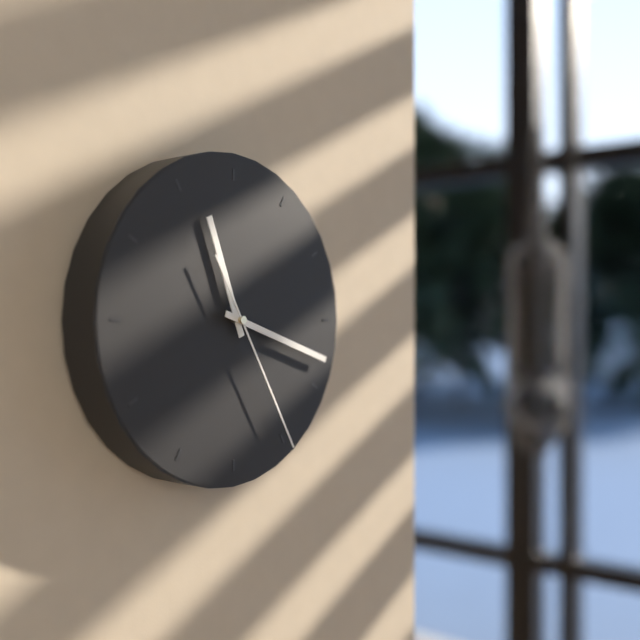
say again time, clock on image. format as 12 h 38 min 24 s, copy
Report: 11 h 18 min 25 s
